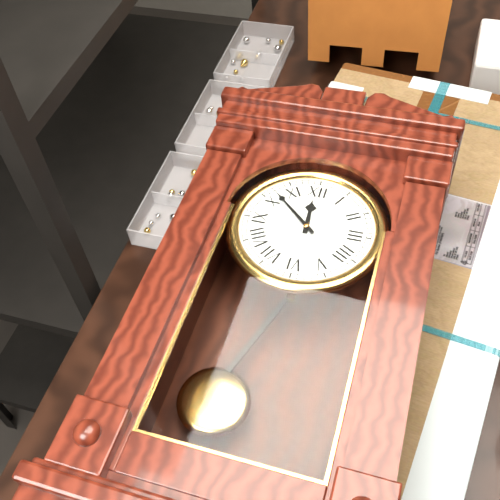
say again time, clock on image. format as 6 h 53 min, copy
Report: 11 h 52 min
